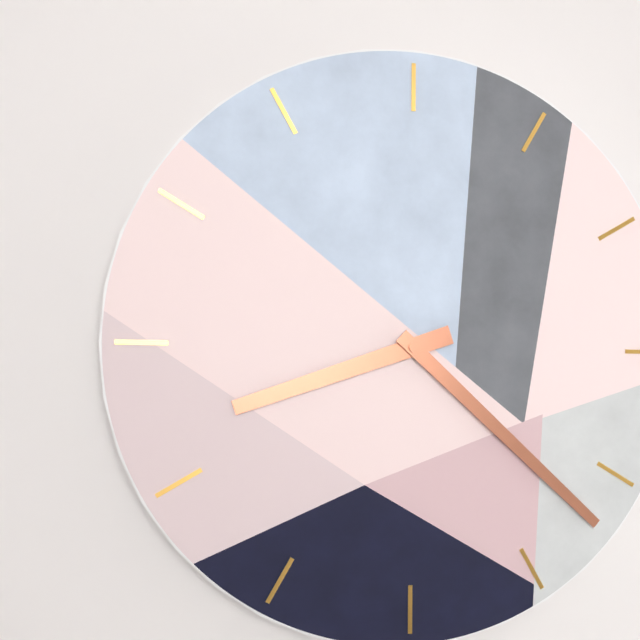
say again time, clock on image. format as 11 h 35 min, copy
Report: 8 h 22 min
